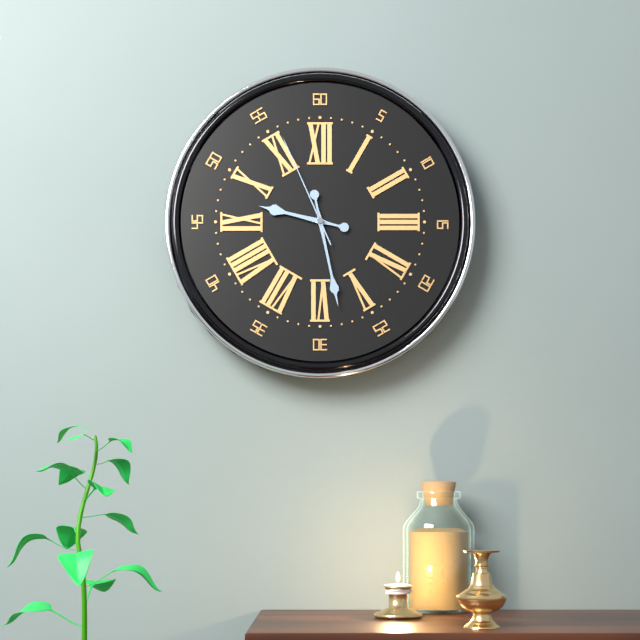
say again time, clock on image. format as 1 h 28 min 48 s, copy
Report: 9 h 28 min 56 s
